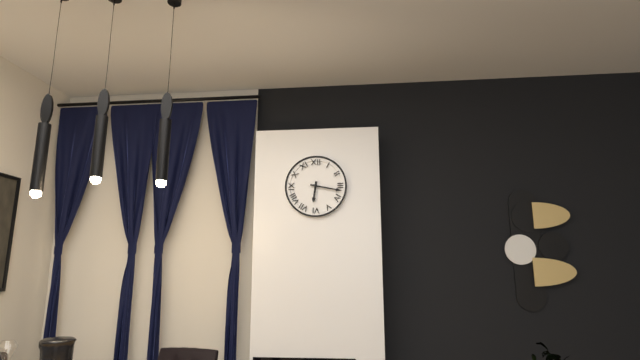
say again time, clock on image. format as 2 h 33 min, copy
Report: 6 h 17 min
